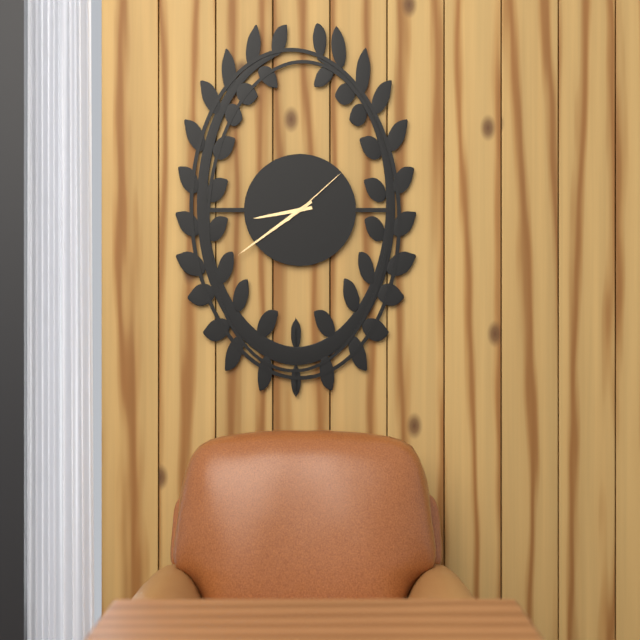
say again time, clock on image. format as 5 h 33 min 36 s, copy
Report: 8 h 39 min 08 s
